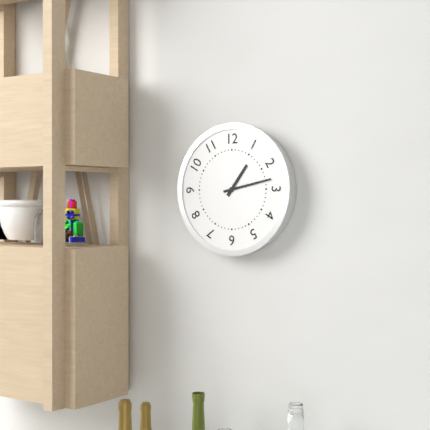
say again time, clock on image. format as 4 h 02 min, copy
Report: 1 h 13 min
